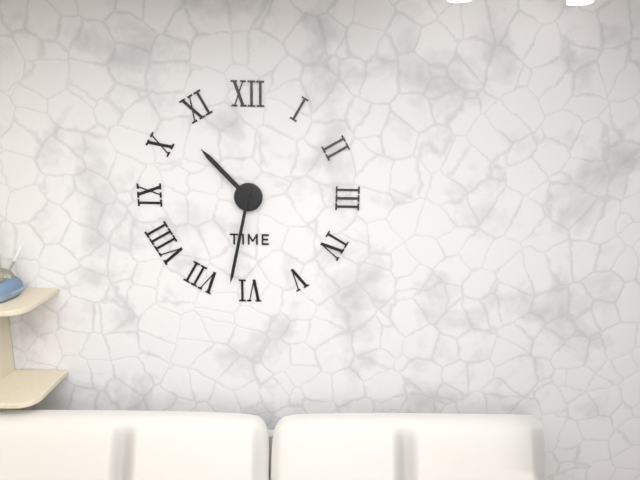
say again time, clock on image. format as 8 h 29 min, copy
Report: 10 h 32 min
